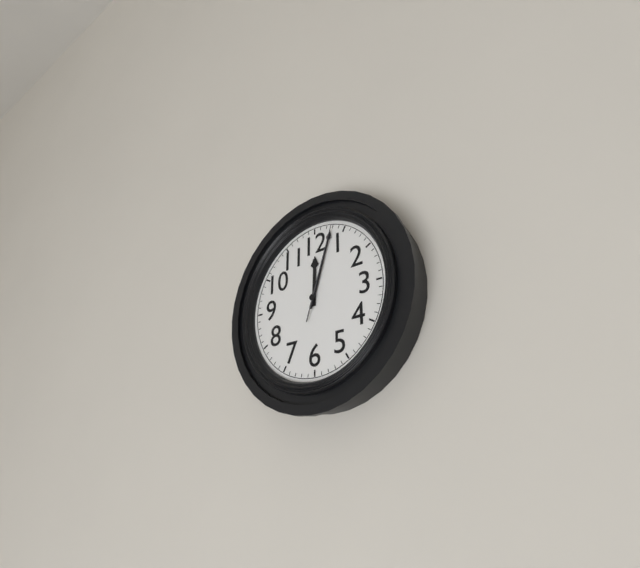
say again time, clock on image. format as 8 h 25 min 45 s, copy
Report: 12 h 03 min 03 s
